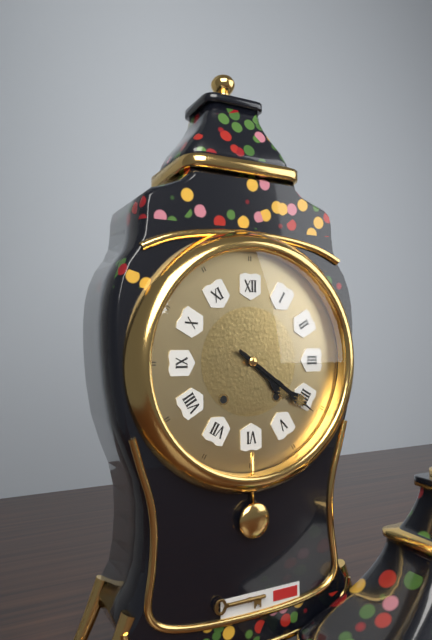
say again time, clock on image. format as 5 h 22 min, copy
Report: 4 h 21 min
